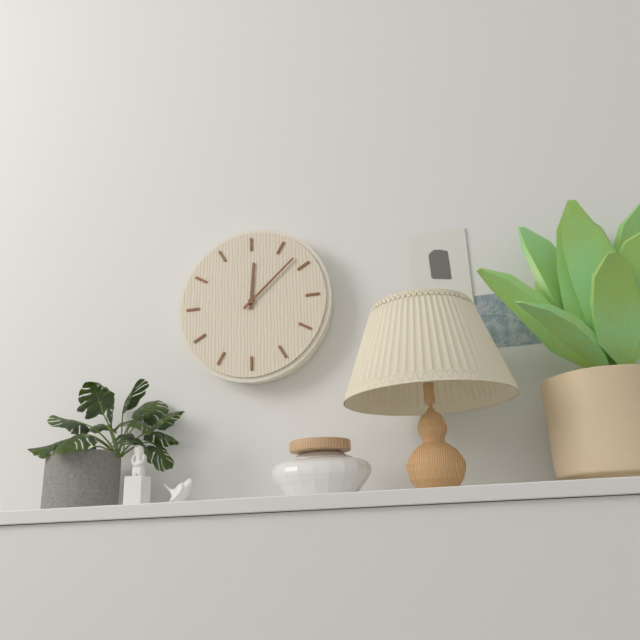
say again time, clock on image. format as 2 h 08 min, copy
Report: 12 h 08 min
